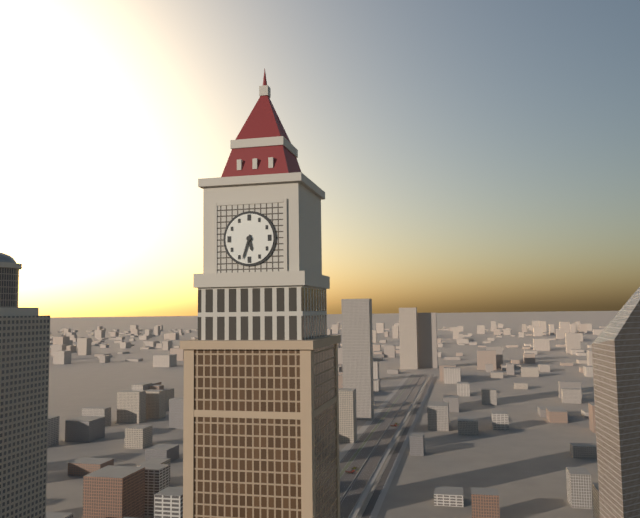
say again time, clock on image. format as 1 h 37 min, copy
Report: 5 h 33 min
